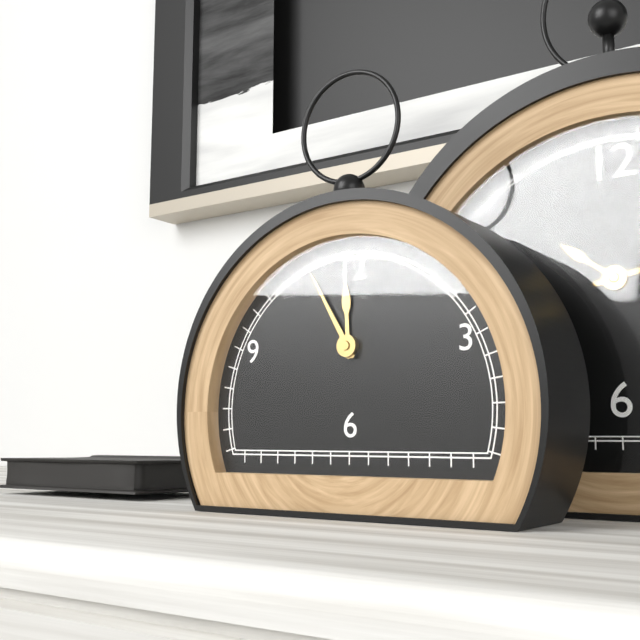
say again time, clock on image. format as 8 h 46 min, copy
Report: 11 h 55 min
